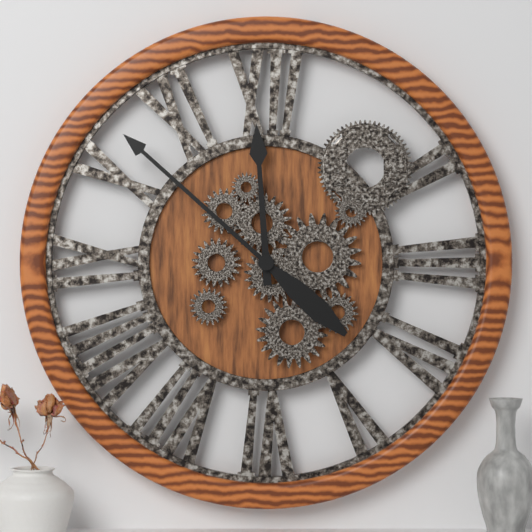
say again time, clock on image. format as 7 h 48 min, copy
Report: 11 h 52 min
